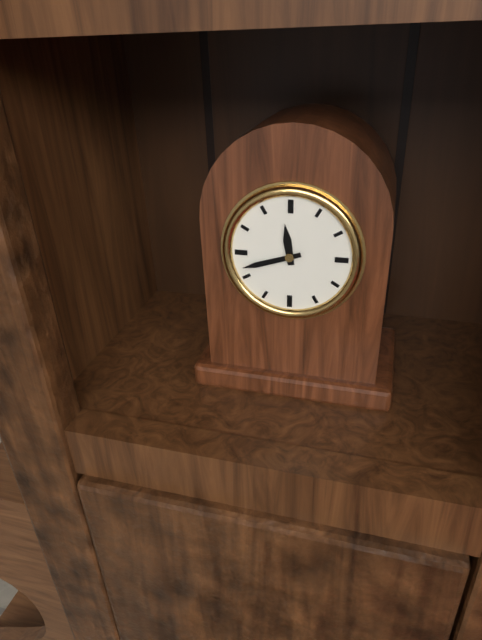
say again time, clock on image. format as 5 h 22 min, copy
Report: 11 h 42 min
